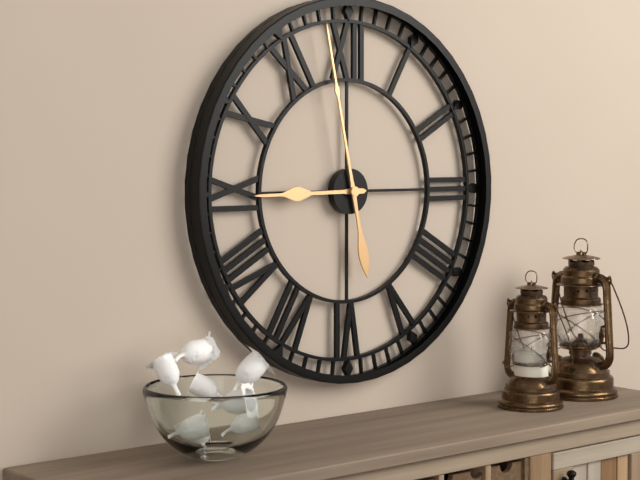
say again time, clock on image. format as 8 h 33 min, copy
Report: 8 h 58 min
